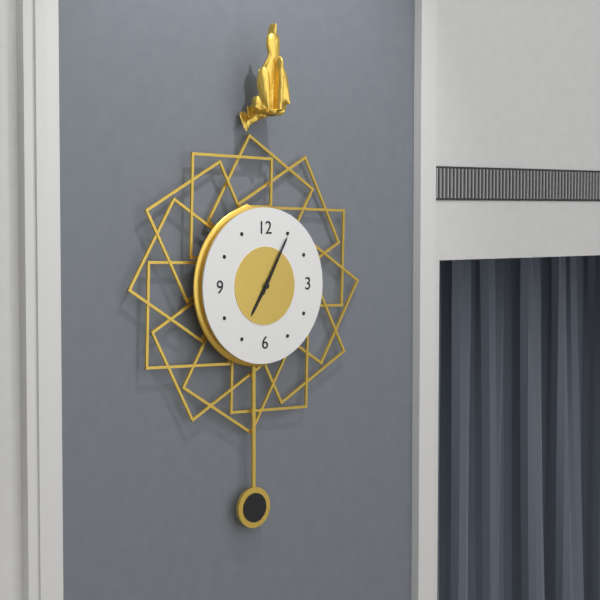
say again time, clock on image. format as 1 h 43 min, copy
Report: 7 h 05 min
